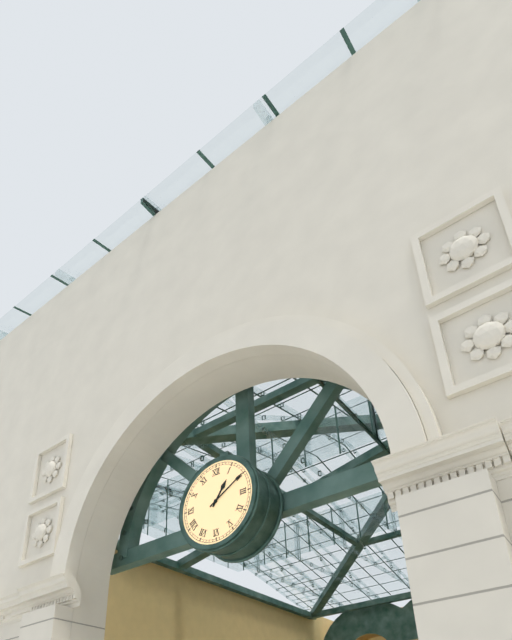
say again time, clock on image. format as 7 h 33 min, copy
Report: 1 h 10 min
